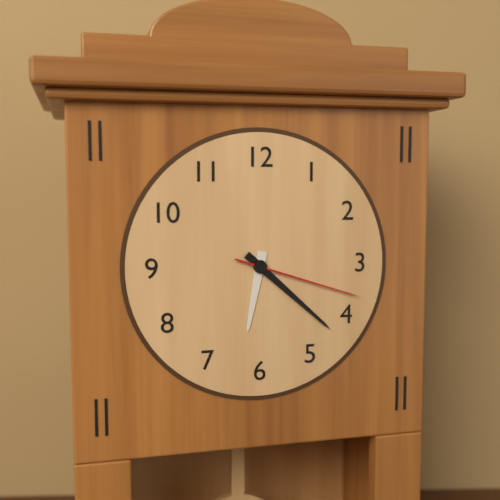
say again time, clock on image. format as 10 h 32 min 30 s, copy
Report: 6 h 22 min 18 s
